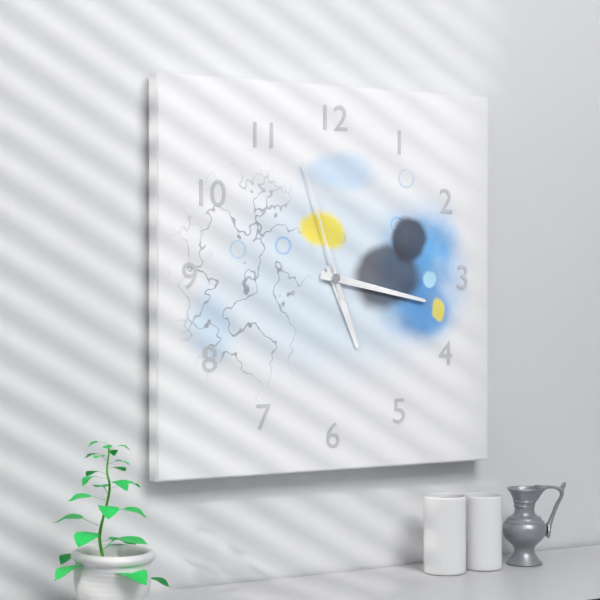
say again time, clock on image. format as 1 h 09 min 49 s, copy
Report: 5 h 17 min 57 s
